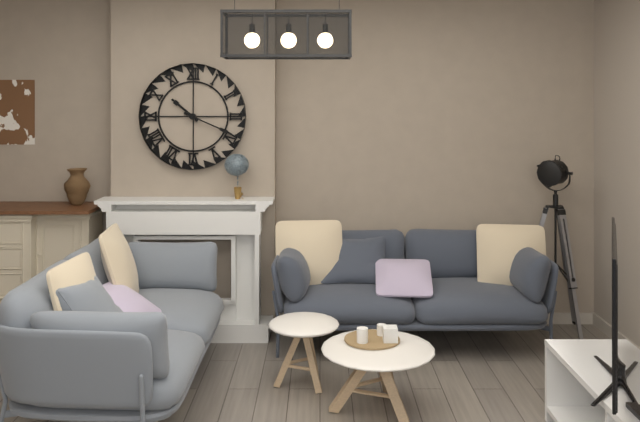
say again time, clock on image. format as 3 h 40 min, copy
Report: 10 h 19 min
